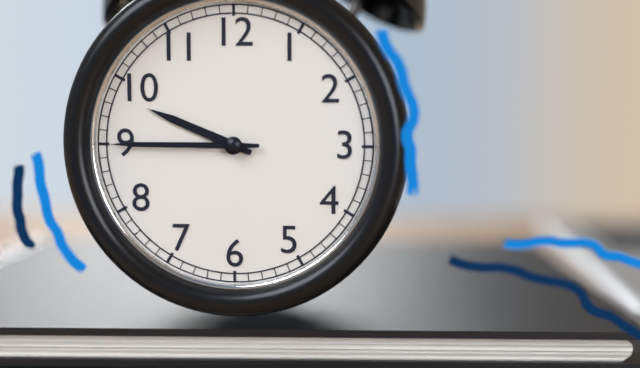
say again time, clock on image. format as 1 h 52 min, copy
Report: 9 h 45 min
